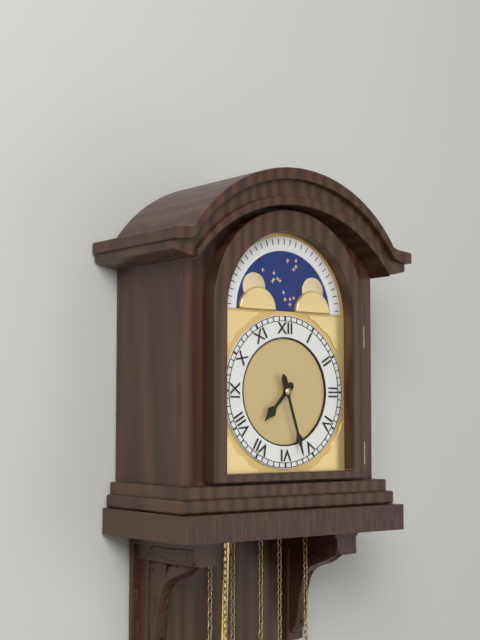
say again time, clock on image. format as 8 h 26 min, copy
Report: 7 h 27 min
